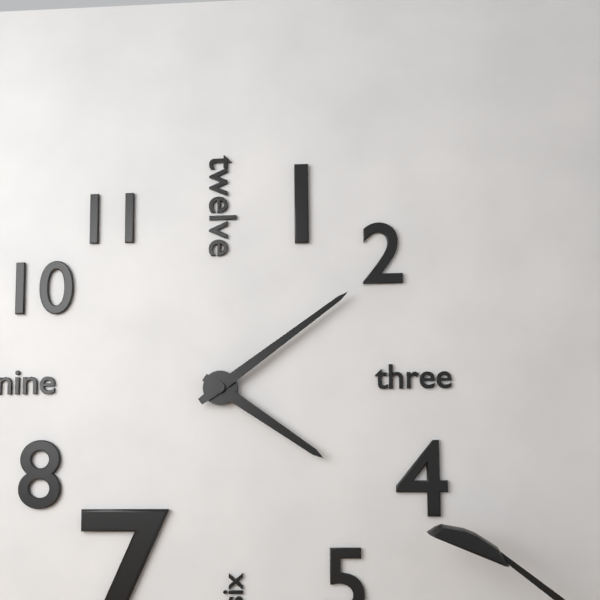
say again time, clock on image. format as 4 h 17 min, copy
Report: 4 h 09 min
